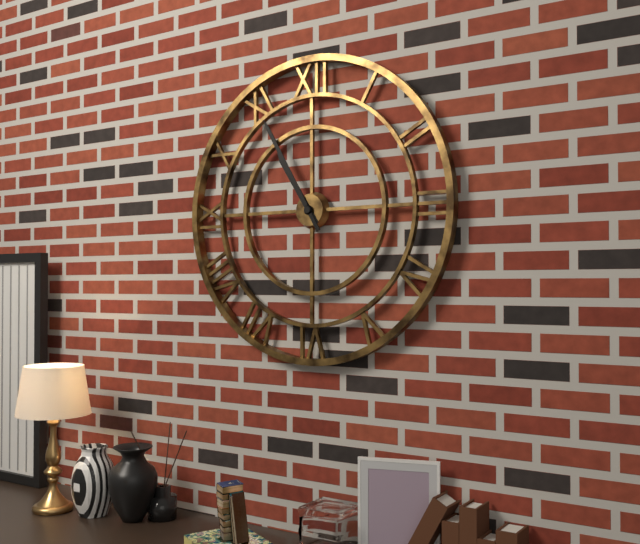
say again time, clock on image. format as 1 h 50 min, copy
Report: 10 h 55 min
